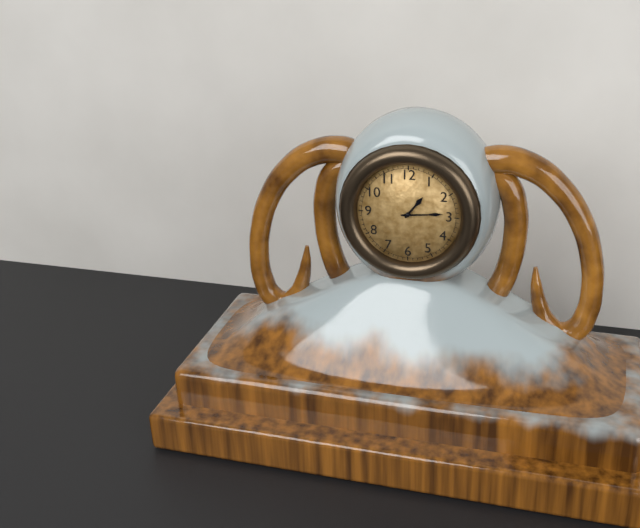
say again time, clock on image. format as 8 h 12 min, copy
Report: 1 h 14 min
